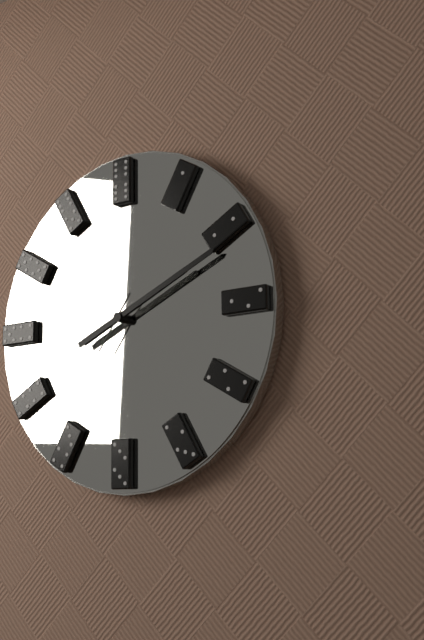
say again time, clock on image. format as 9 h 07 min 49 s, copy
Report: 2 h 11 min 36 s
